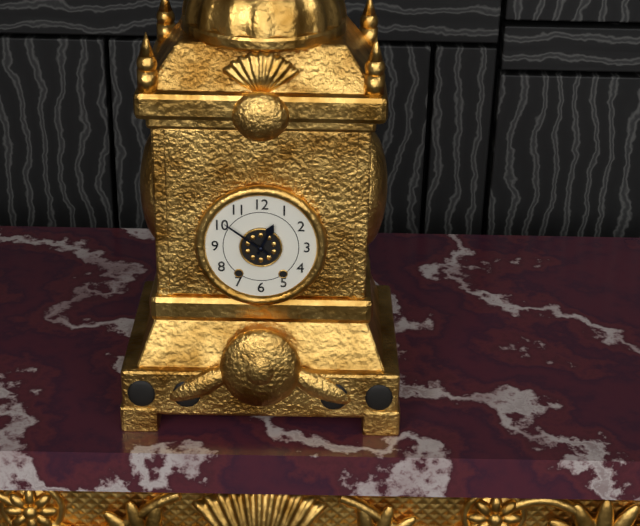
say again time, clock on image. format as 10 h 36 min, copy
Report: 12 h 51 min
